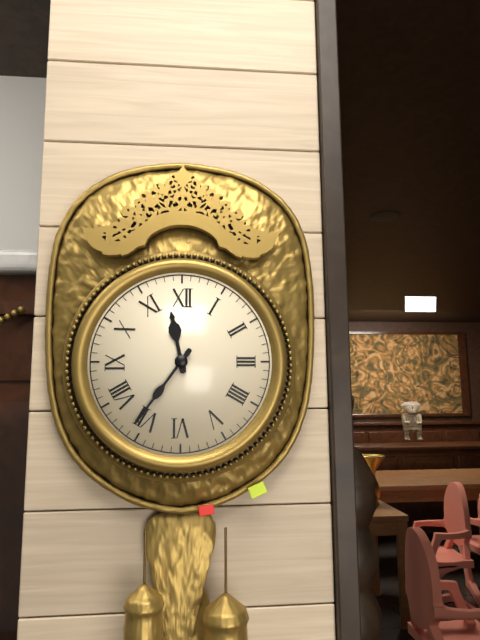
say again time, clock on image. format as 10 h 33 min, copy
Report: 11 h 36 min
